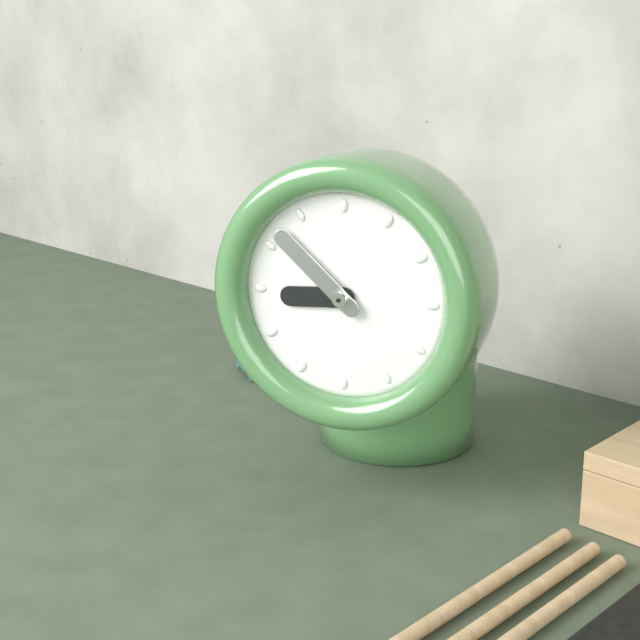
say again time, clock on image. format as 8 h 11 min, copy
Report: 8 h 52 min
